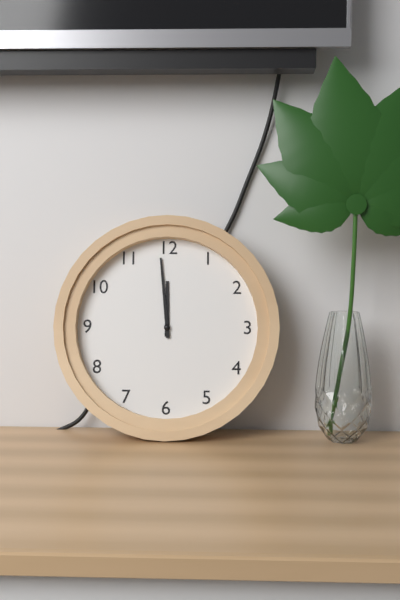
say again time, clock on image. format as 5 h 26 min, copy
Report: 11 h 59 min
